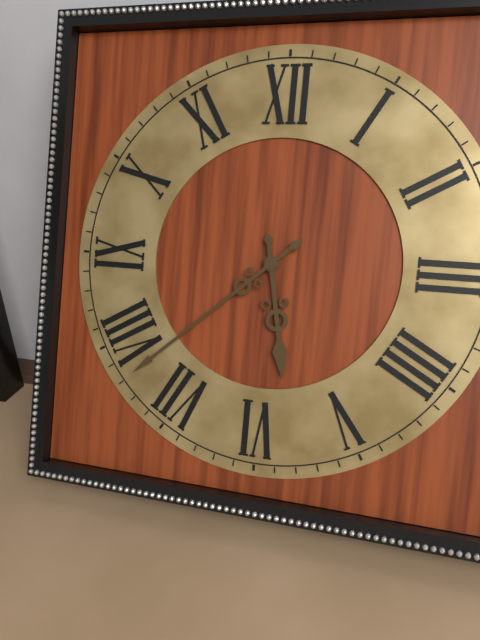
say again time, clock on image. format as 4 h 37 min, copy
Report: 5 h 38 min
